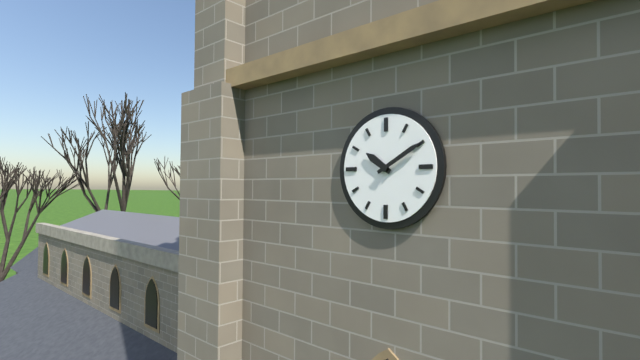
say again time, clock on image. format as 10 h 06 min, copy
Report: 10 h 10 min
